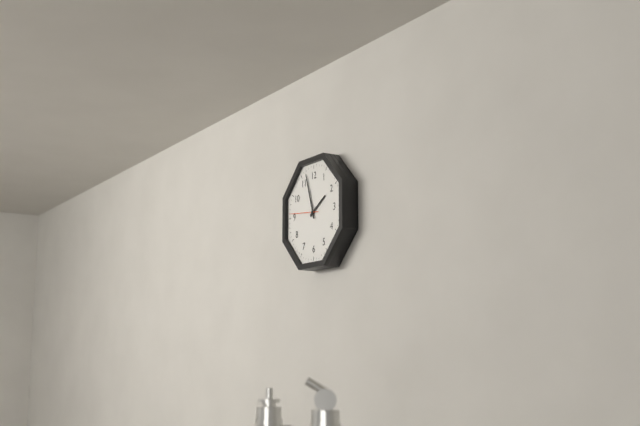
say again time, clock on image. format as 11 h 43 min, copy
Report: 1 h 57 min
